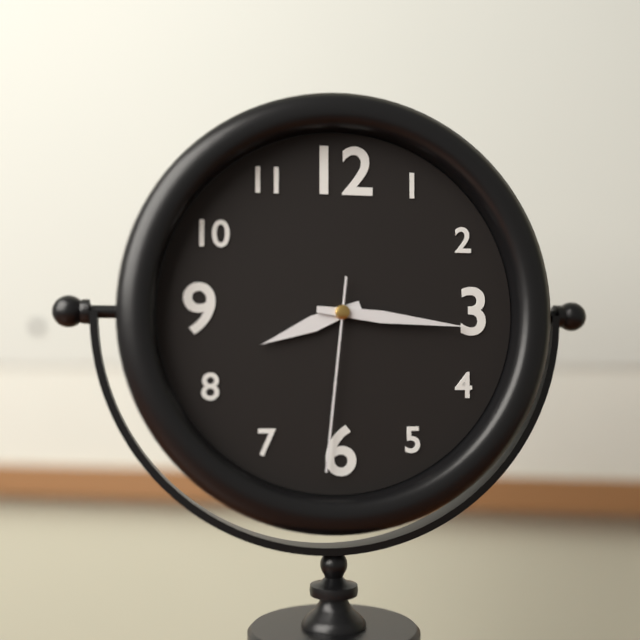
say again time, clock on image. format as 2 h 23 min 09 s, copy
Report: 8 h 16 min 31 s
